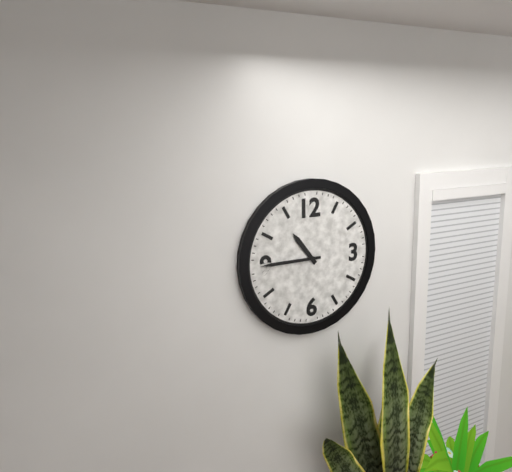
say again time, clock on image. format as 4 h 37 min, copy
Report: 10 h 45 min
